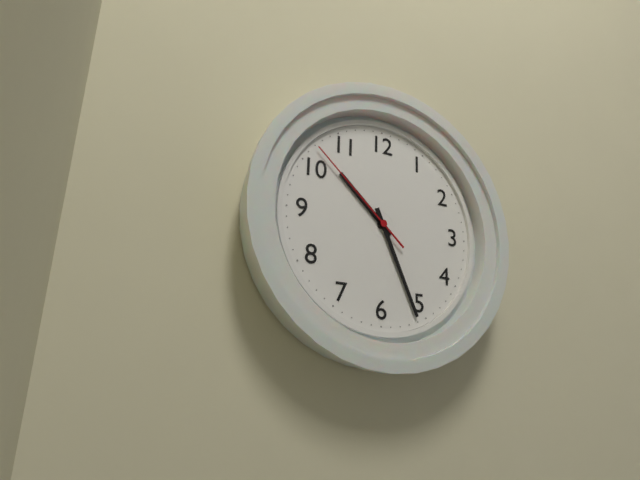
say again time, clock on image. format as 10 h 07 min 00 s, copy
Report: 10 h 26 min 52 s
